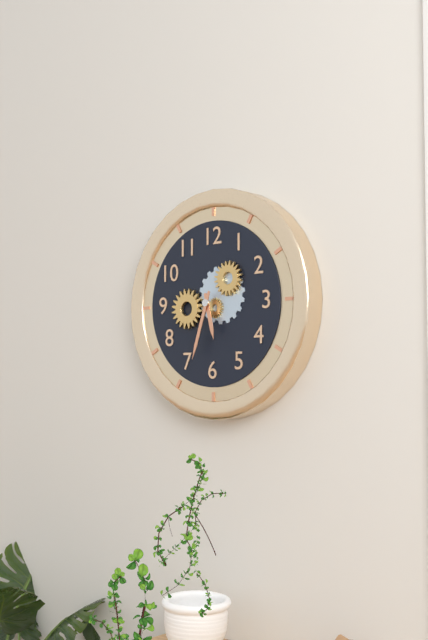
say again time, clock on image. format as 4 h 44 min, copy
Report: 5 h 33 min
